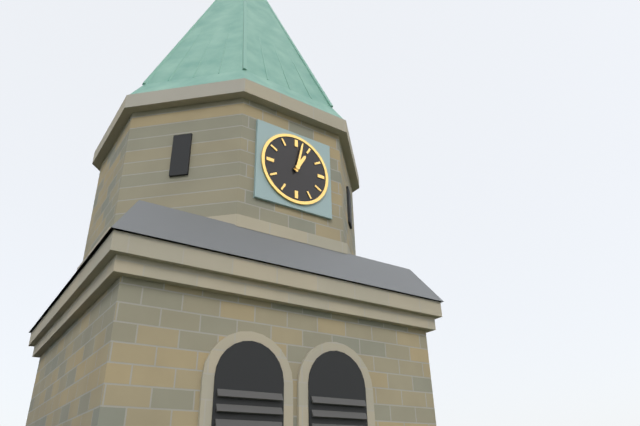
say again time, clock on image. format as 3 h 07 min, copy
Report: 1 h 02 min
